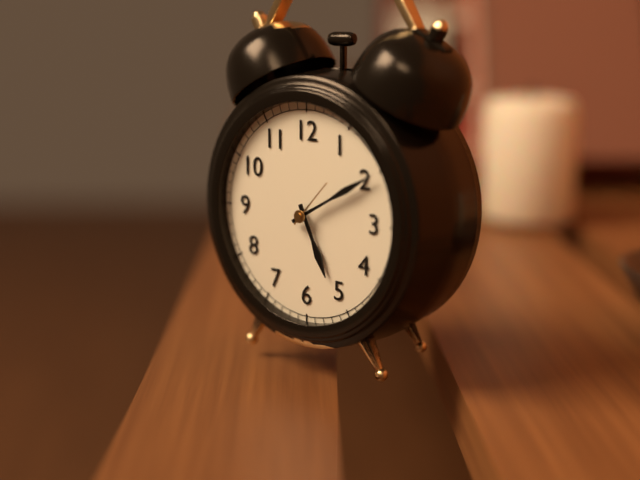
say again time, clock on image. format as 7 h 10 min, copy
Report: 5 h 10 min
